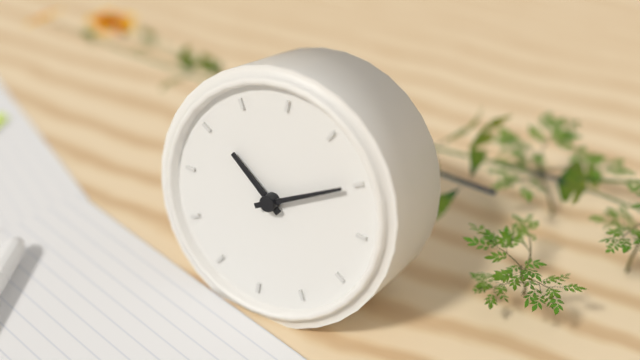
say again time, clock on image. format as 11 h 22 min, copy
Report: 10 h 10 min
